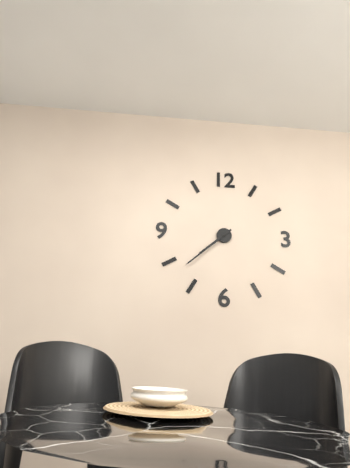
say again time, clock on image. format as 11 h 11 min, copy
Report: 7 h 38 min
